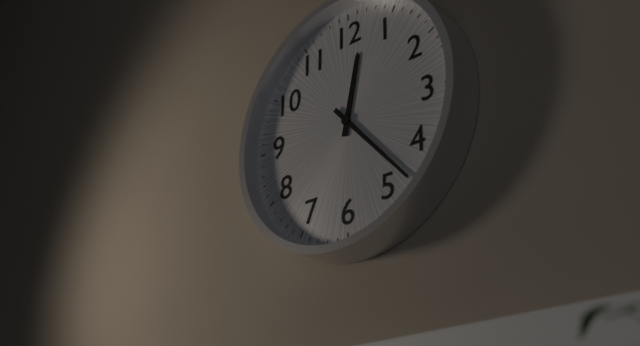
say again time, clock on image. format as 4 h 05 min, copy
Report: 12 h 23 min
